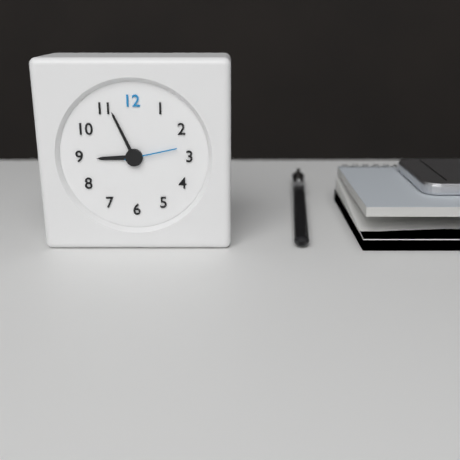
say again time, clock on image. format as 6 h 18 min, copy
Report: 8 h 56 min
